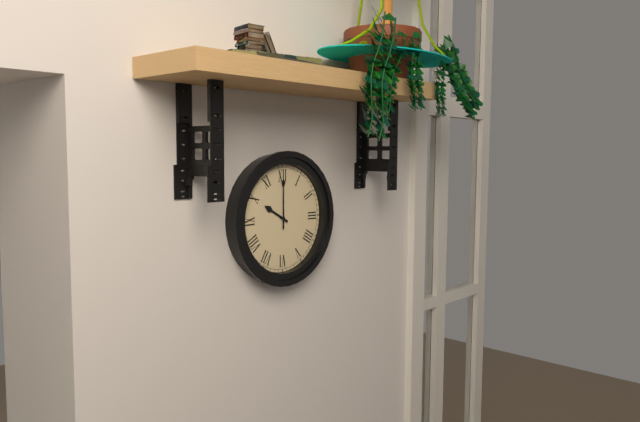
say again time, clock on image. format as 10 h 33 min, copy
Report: 10 h 00 min
